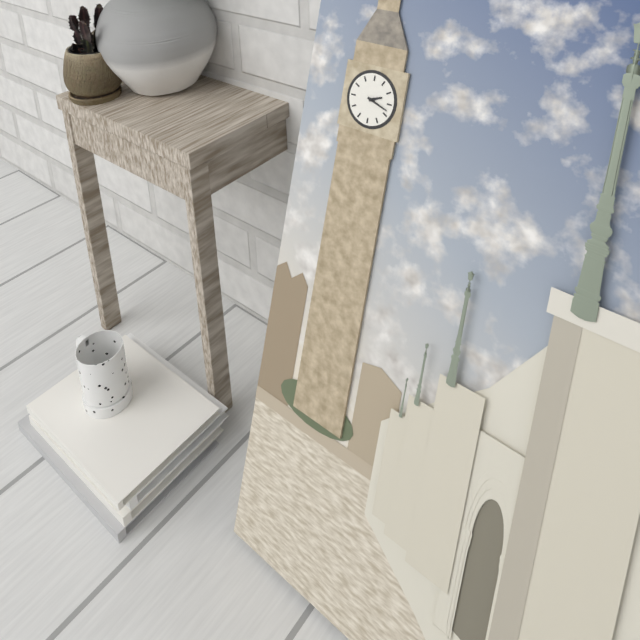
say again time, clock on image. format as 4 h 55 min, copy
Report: 2 h 18 min
